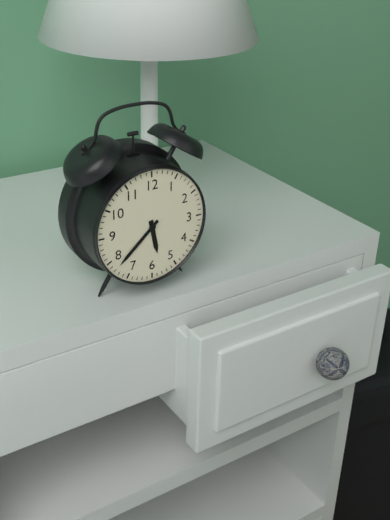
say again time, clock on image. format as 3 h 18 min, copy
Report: 5 h 38 min
